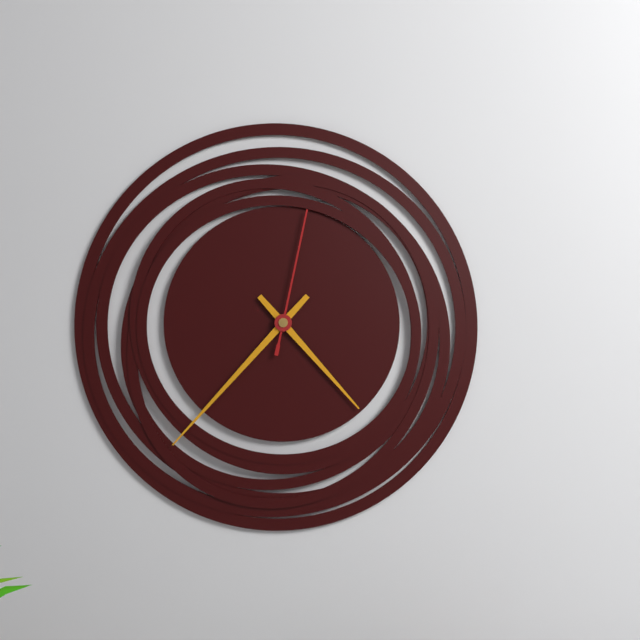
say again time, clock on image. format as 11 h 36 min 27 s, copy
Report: 4 h 37 min 02 s
